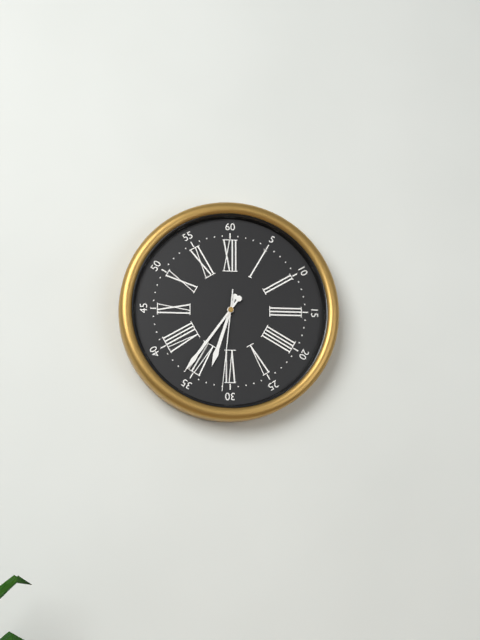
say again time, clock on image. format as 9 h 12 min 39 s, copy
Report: 6 h 36 min 31 s
